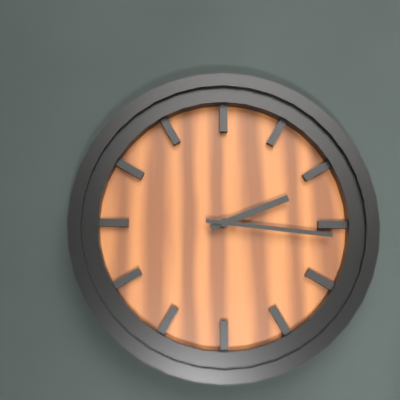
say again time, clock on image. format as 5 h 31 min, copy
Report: 2 h 16 min
